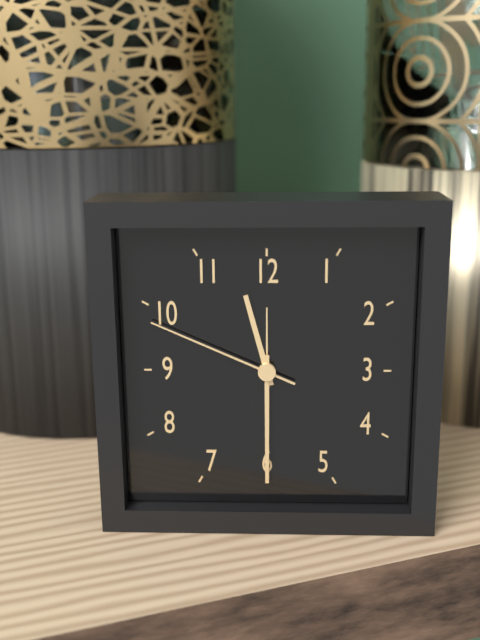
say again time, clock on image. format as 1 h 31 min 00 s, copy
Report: 11 h 30 min 49 s
